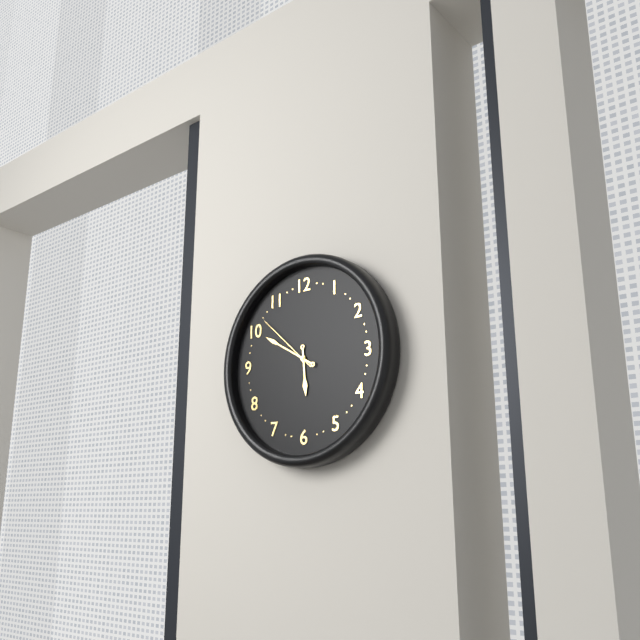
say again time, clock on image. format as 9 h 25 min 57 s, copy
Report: 5 h 50 min 52 s
